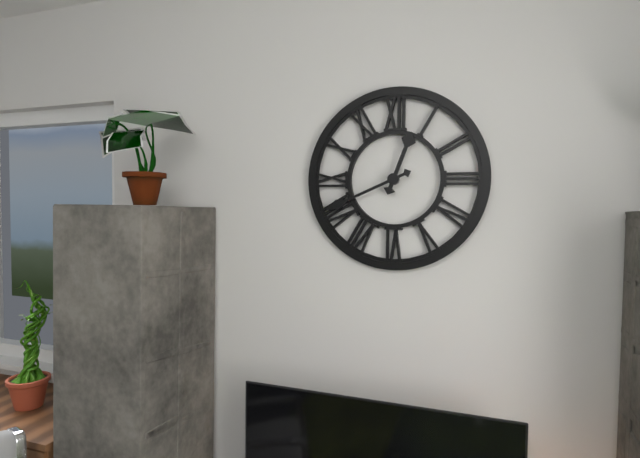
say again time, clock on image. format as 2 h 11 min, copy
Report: 12 h 41 min
